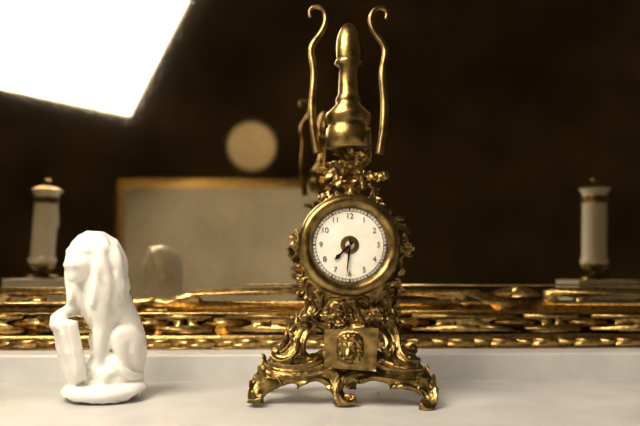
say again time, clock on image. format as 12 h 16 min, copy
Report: 7 h 31 min
